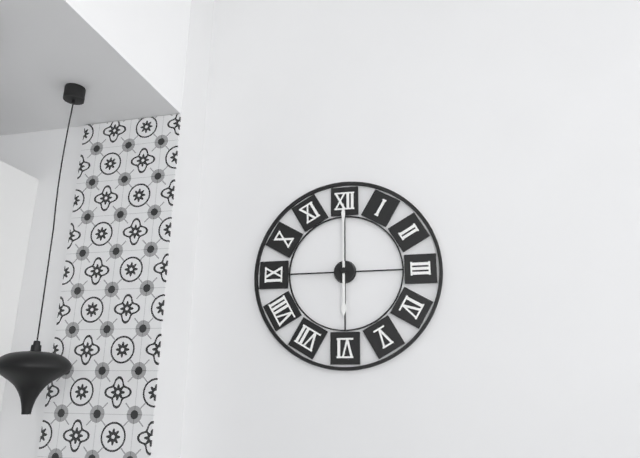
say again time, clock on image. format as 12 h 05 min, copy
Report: 6 h 00 min
